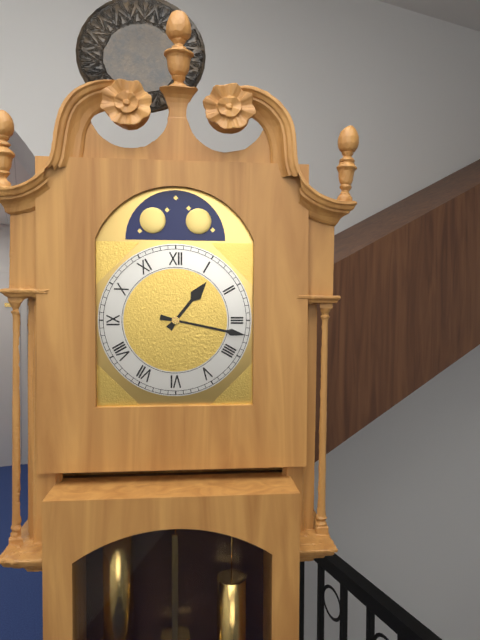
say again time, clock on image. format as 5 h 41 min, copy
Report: 1 h 17 min
